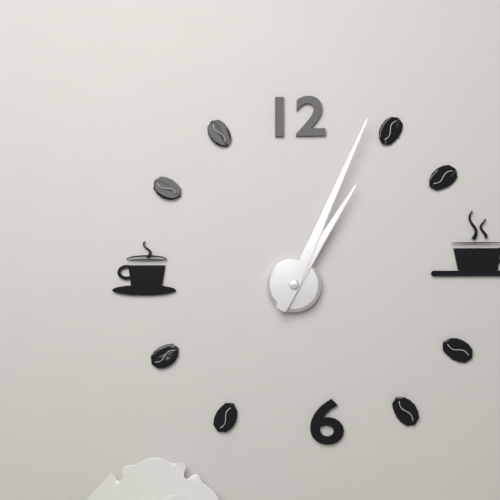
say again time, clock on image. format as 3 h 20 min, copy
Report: 1 h 04 min
